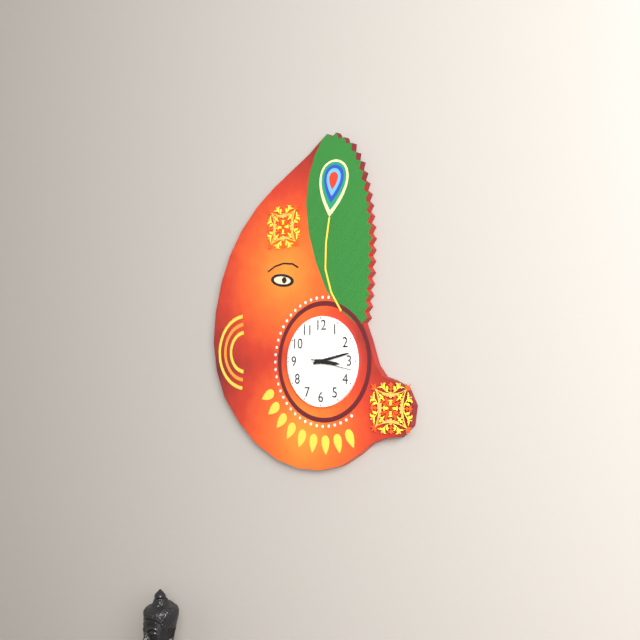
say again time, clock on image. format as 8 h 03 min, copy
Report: 3 h 13 min
